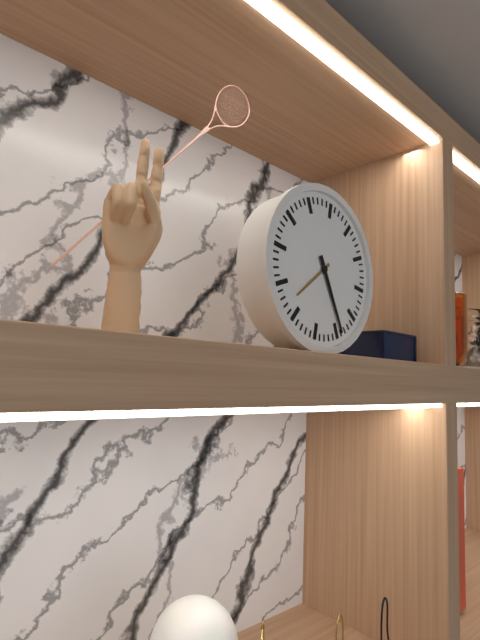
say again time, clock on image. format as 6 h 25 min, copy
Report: 7 h 24 min
